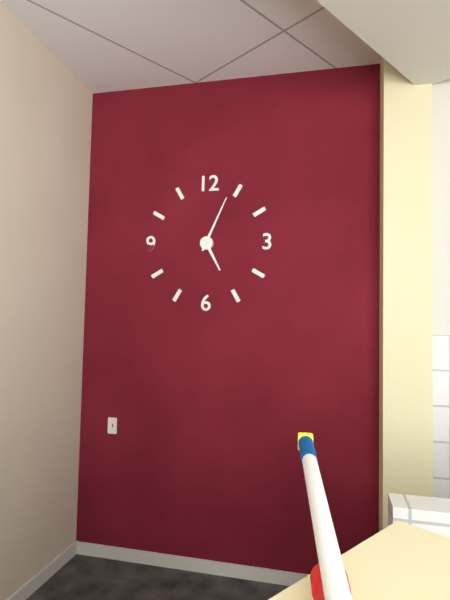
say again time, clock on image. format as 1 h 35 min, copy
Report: 5 h 04 min
